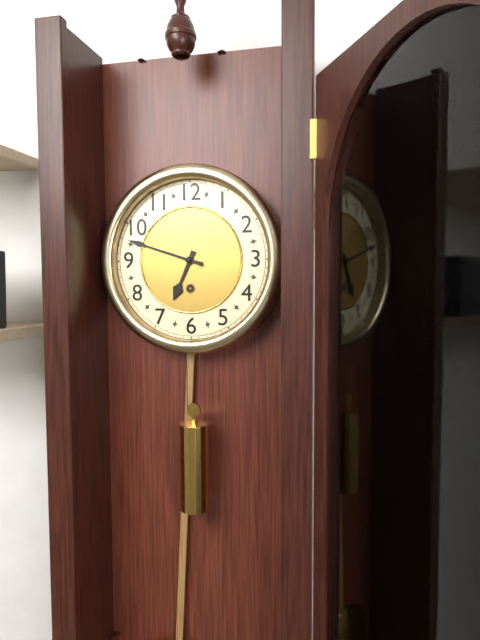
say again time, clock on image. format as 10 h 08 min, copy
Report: 6 h 48 min
